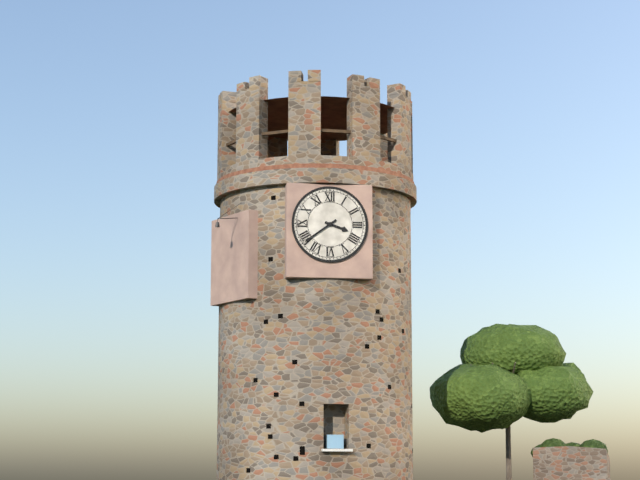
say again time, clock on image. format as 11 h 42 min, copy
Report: 3 h 39 min
